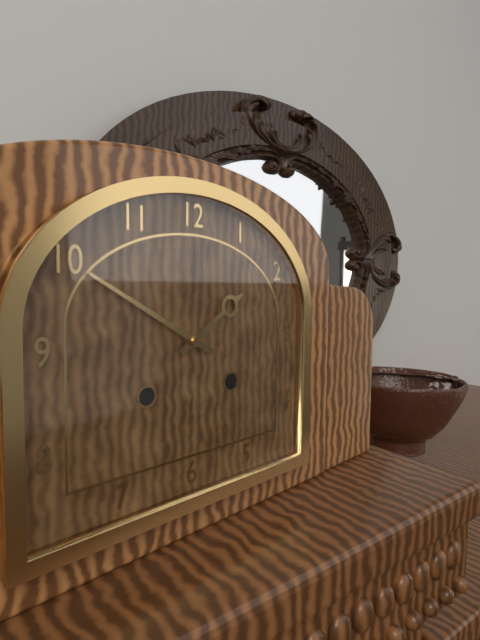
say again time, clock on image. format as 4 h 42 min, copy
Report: 1 h 50 min
